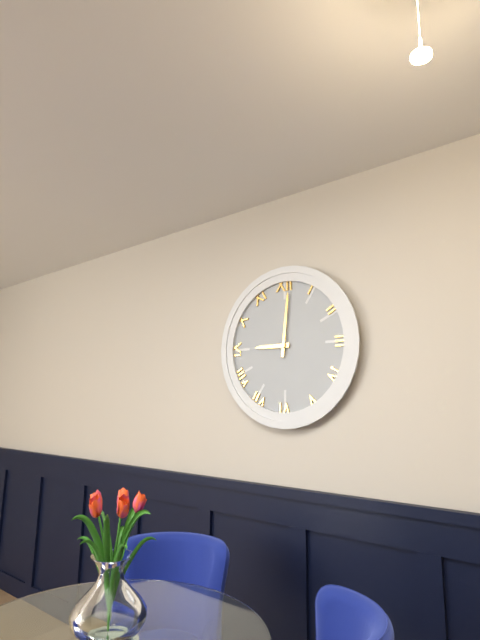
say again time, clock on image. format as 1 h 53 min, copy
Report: 9 h 01 min
